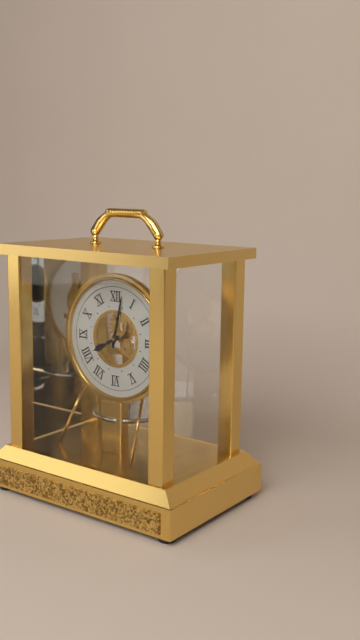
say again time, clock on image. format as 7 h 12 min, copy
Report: 8 h 02 min
